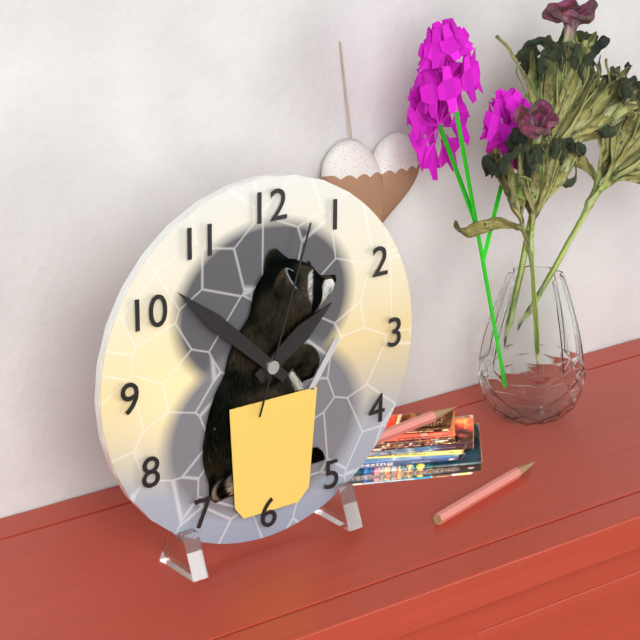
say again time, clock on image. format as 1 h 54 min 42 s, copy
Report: 1 h 52 min 03 s
